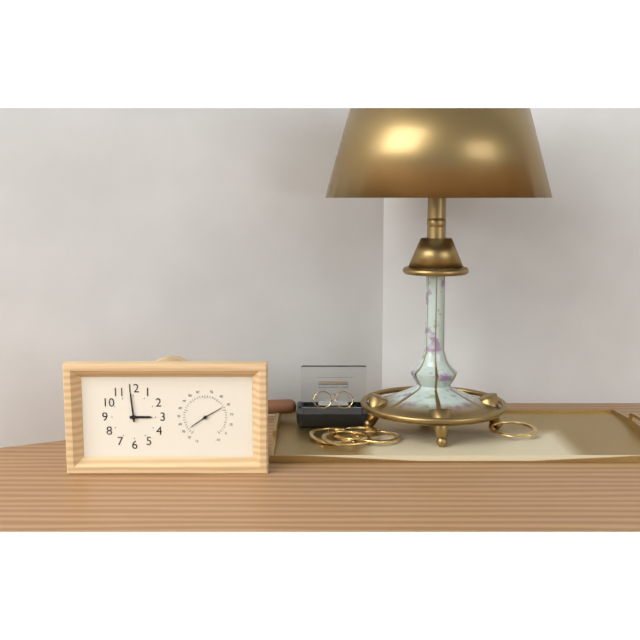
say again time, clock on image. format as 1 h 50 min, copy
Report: 2 h 59 min
